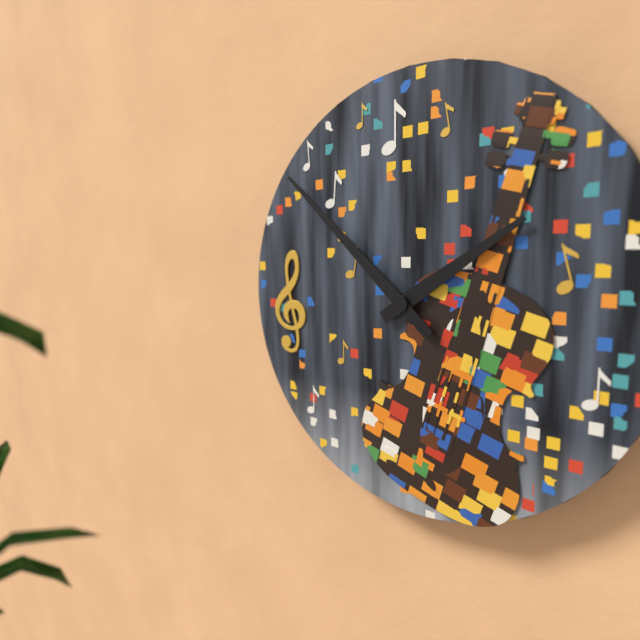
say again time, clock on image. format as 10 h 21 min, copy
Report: 1 h 52 min
